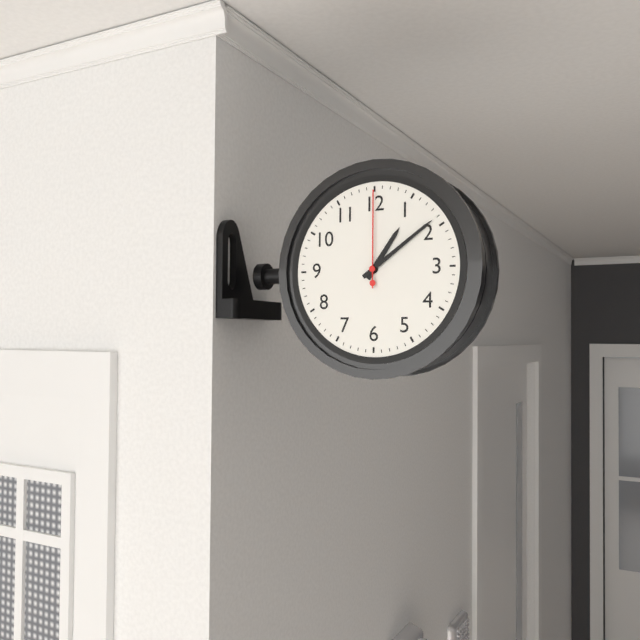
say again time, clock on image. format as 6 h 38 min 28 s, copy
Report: 1 h 09 min 00 s
